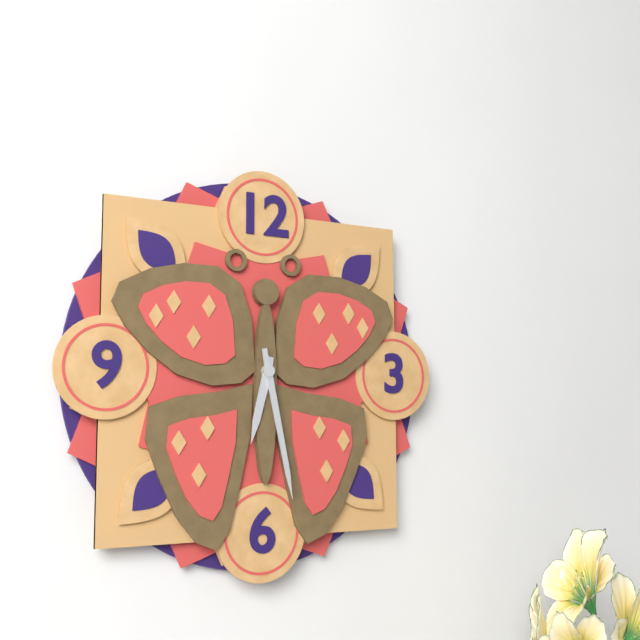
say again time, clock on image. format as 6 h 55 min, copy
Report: 6 h 28 min
